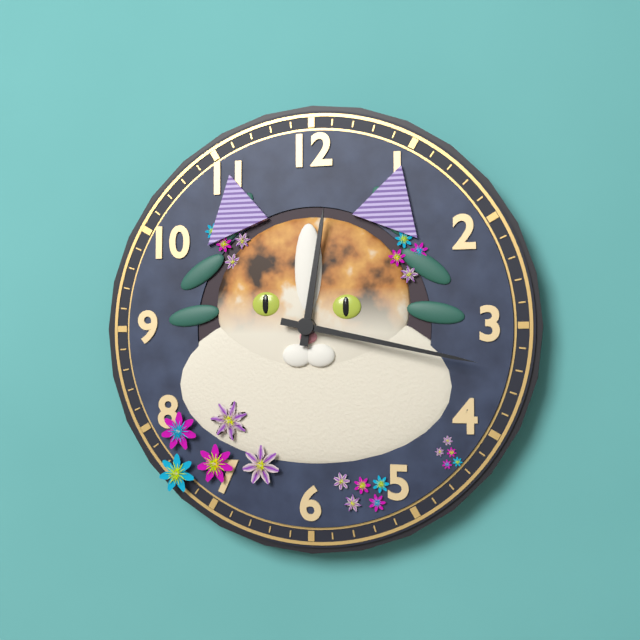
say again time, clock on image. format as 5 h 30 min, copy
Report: 12 h 17 min
